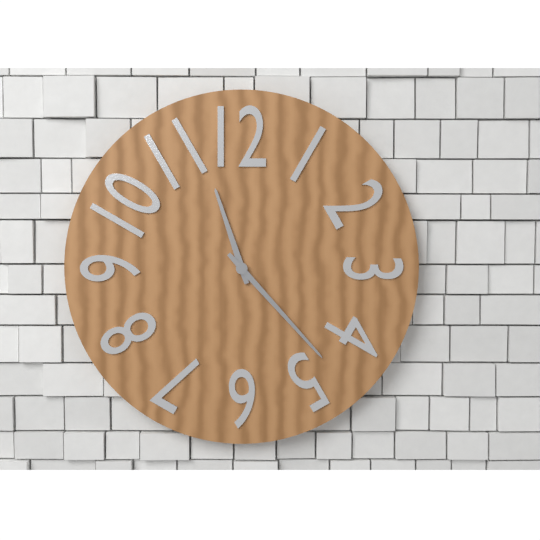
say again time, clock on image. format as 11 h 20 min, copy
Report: 11 h 23 min
